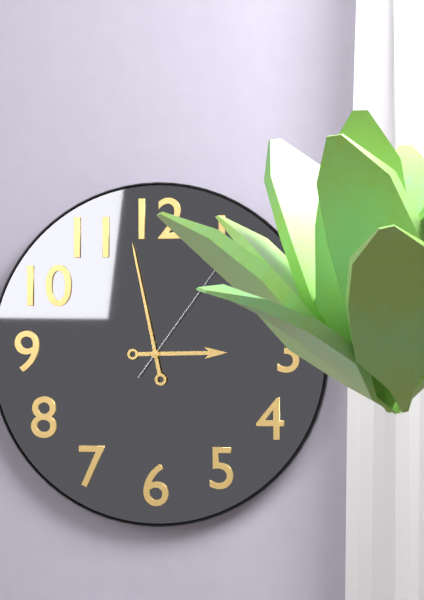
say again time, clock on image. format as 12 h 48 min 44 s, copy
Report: 2 h 58 min 06 s
